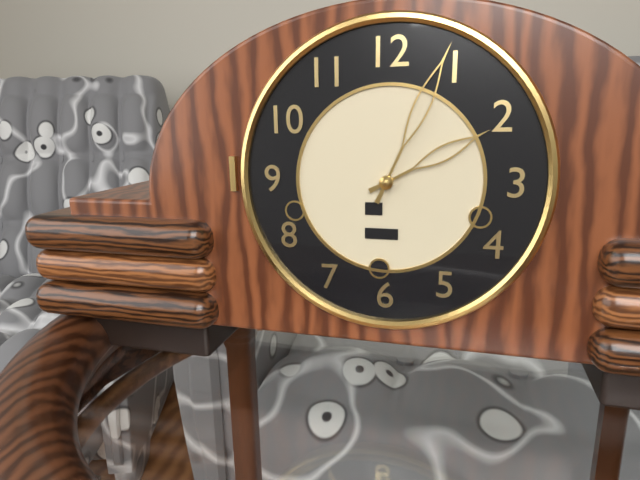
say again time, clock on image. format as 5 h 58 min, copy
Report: 2 h 04 min
